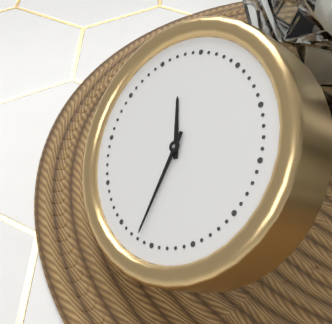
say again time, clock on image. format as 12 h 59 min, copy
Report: 10 h 27 min
